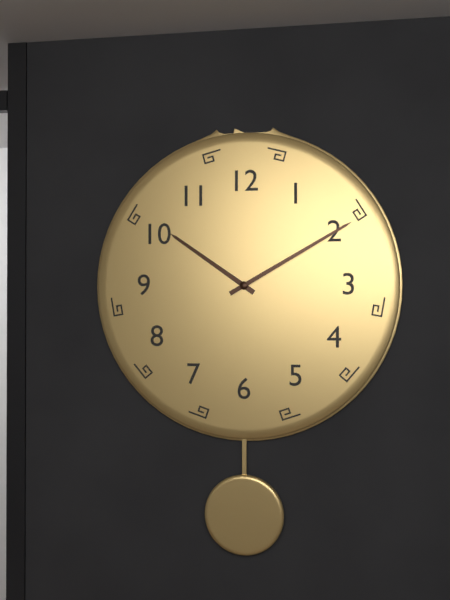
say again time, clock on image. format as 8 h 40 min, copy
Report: 10 h 10 min
